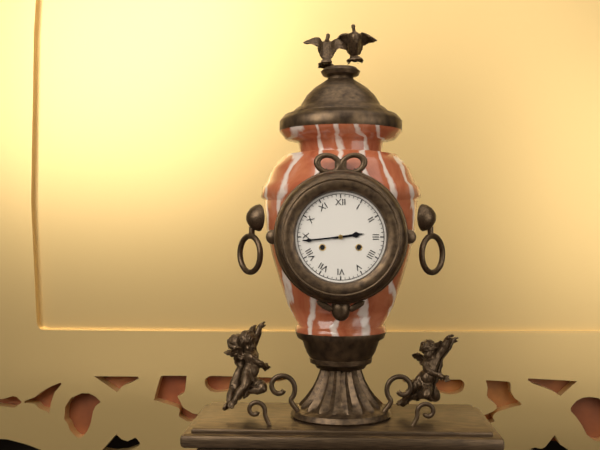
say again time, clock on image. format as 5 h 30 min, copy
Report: 2 h 44 min
